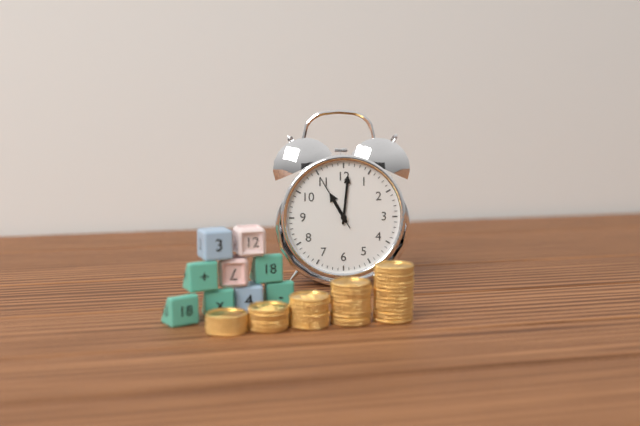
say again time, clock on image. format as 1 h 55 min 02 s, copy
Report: 11 h 01 min 55 s
